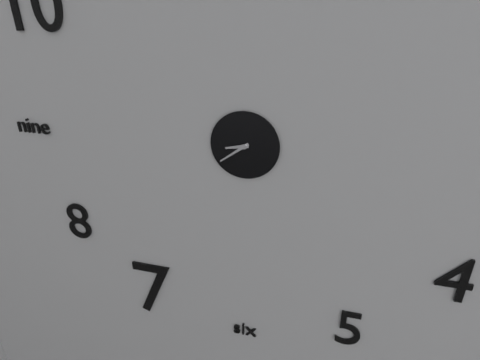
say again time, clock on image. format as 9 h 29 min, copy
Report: 8 h 39 min
